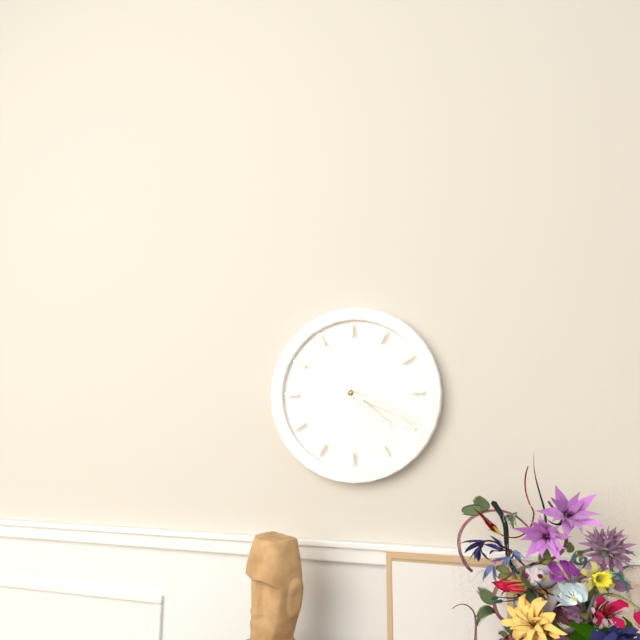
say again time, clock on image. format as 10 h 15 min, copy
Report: 4 h 19 min
